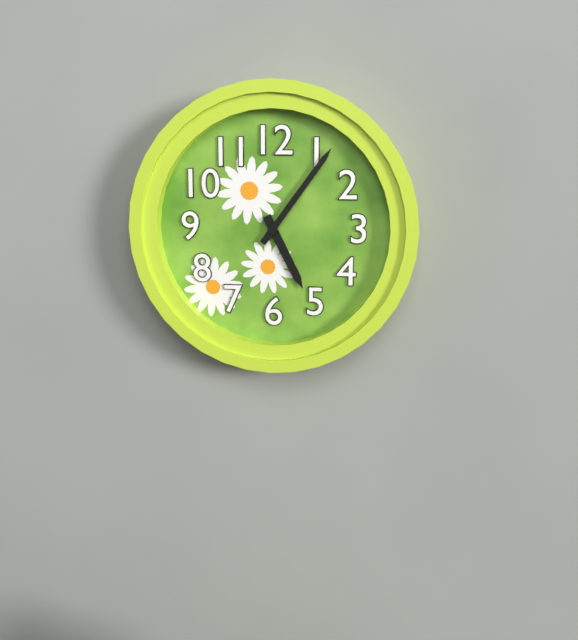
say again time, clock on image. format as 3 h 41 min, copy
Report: 5 h 06 min
